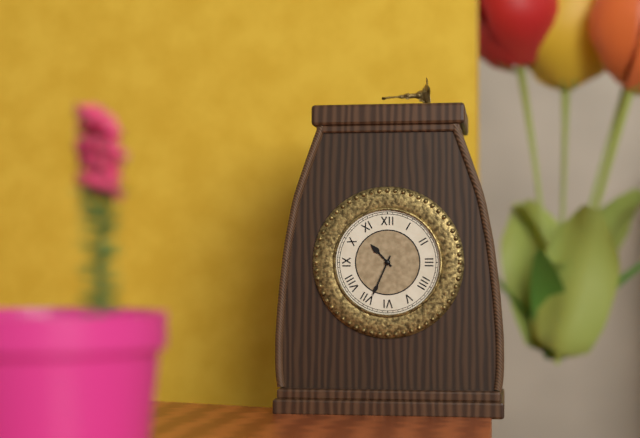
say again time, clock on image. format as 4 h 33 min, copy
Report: 10 h 34 min
